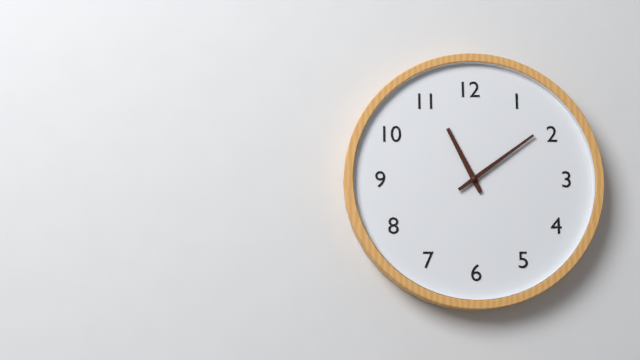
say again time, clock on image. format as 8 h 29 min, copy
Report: 11 h 09 min
